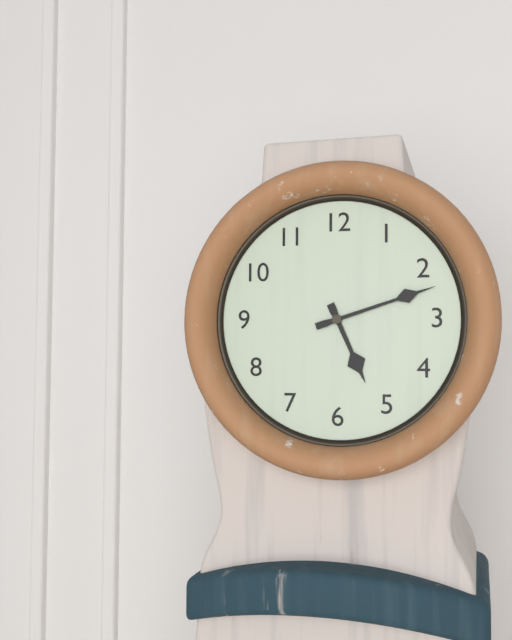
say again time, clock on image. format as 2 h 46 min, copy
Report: 5 h 12 min
